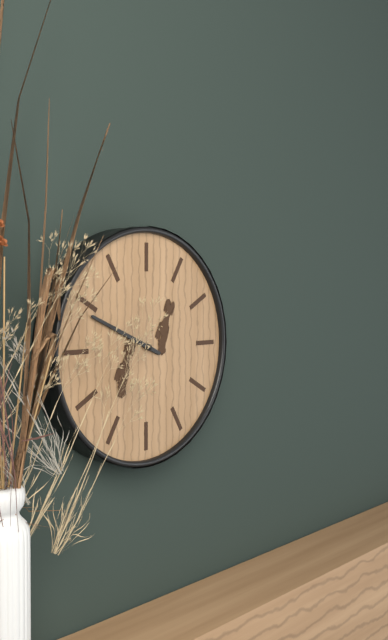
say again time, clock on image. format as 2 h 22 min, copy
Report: 9 h 49 min
